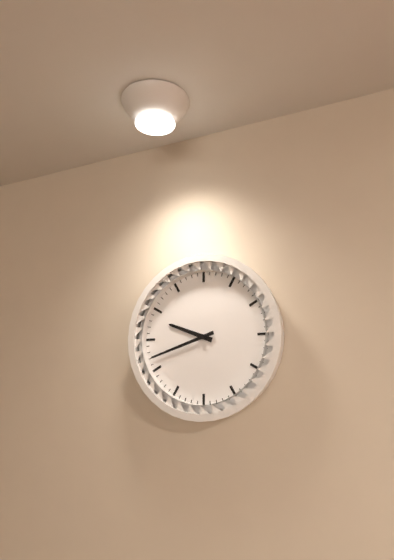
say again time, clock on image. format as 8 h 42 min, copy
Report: 9 h 42 min
